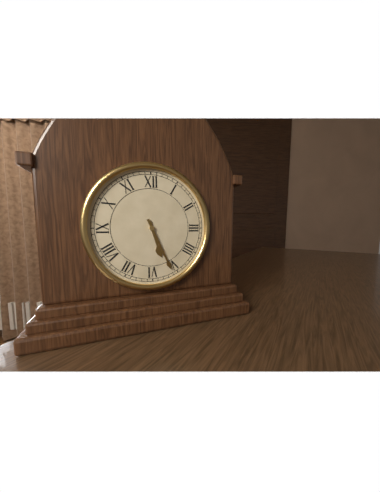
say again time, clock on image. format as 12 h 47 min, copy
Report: 5 h 26 min
